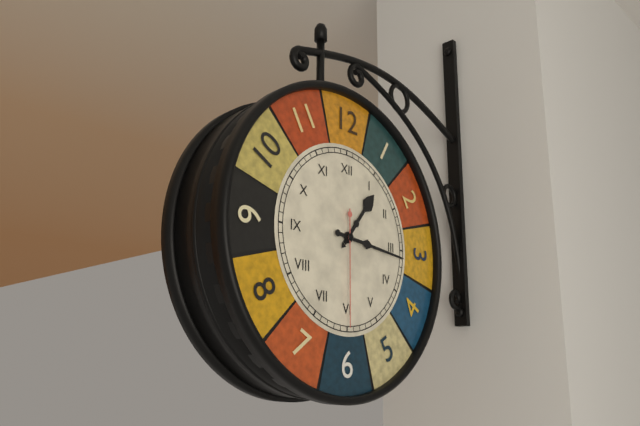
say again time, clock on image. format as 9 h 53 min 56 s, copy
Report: 1 h 16 min 30 s
